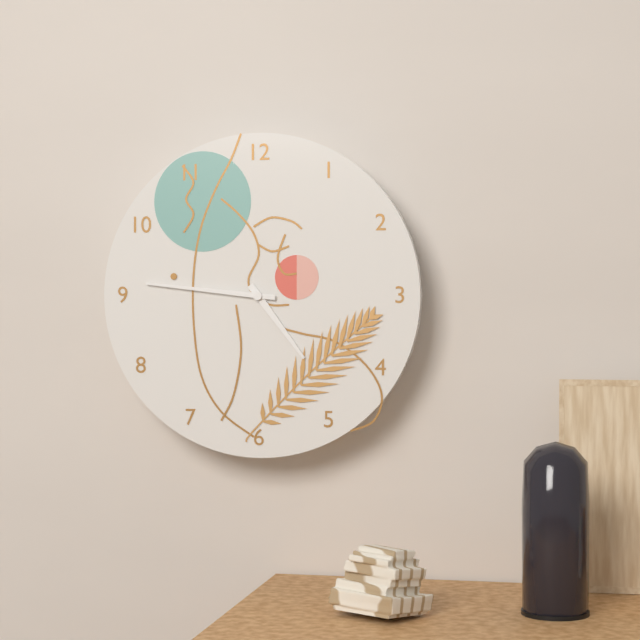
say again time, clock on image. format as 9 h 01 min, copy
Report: 4 h 46 min
